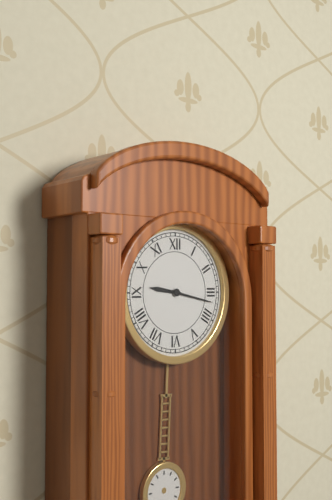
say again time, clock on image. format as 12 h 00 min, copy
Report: 9 h 17 min
